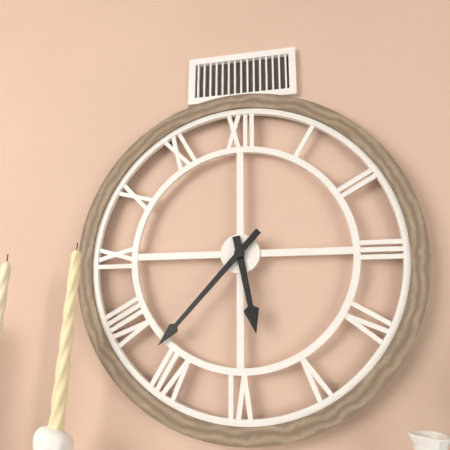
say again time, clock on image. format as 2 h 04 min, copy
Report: 5 h 37 min
